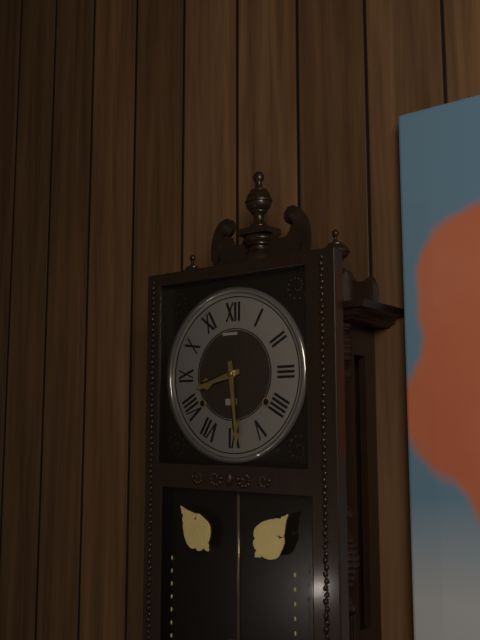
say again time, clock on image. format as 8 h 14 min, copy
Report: 8 h 29 min
